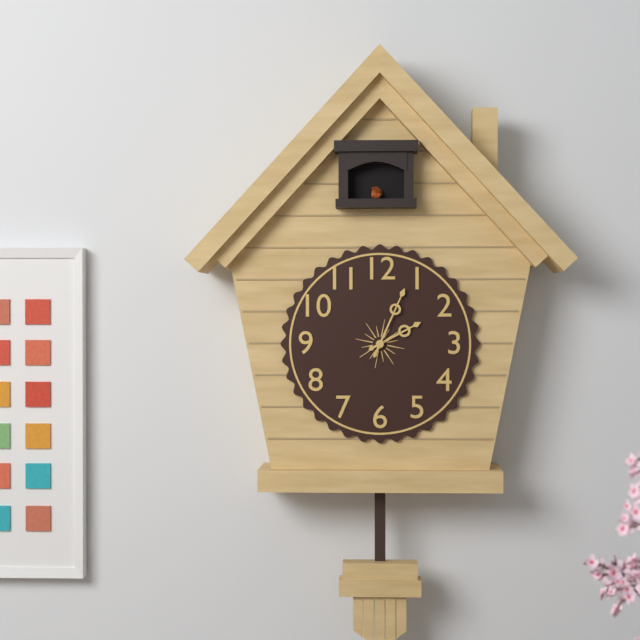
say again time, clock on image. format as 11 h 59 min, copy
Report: 2 h 04 min
